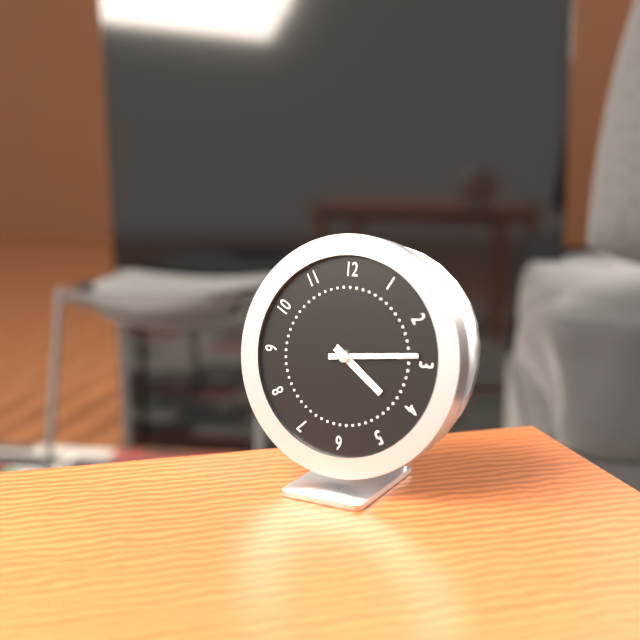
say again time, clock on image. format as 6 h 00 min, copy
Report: 4 h 14 min
